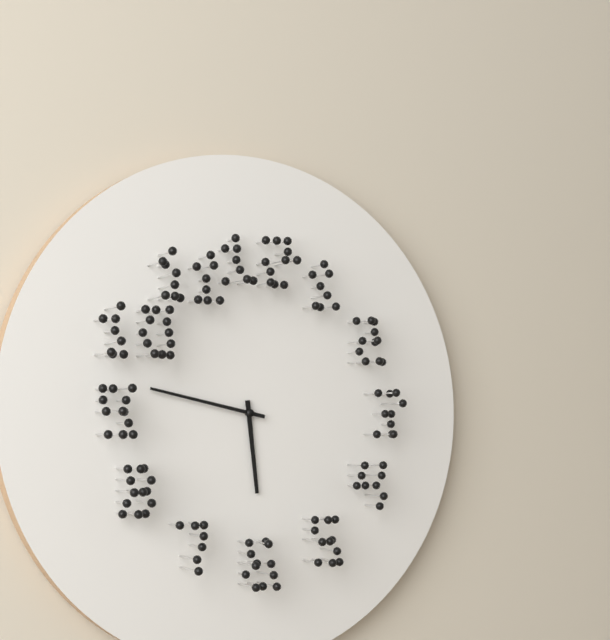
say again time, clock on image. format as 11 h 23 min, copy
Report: 5 h 47 min
